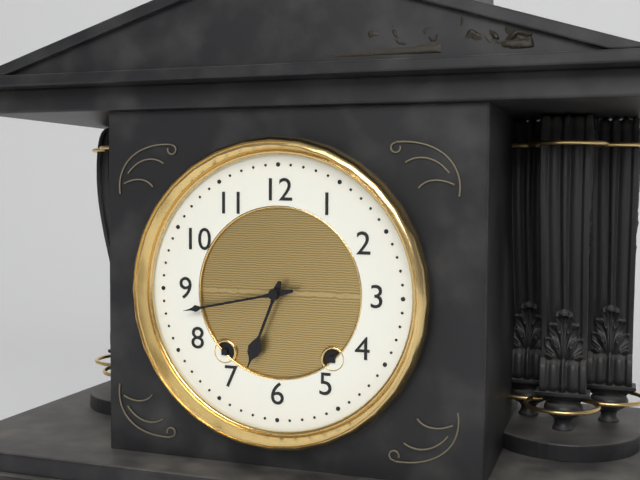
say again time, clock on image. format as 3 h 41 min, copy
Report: 6 h 43 min
